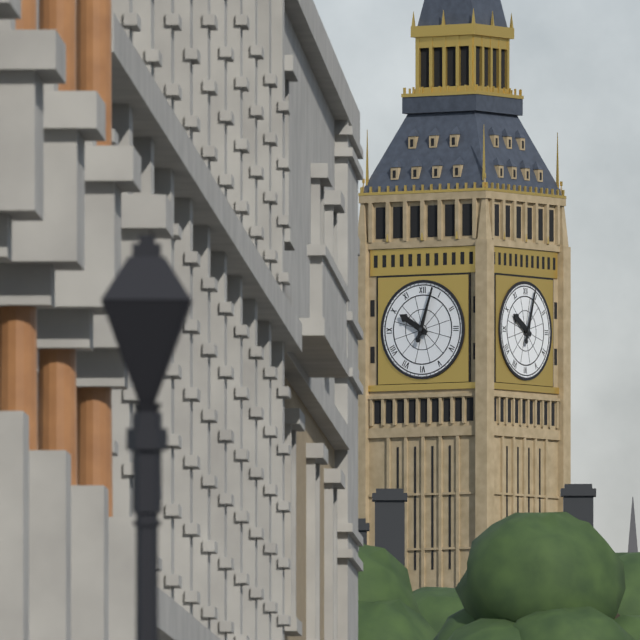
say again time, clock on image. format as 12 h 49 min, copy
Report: 10 h 03 min
